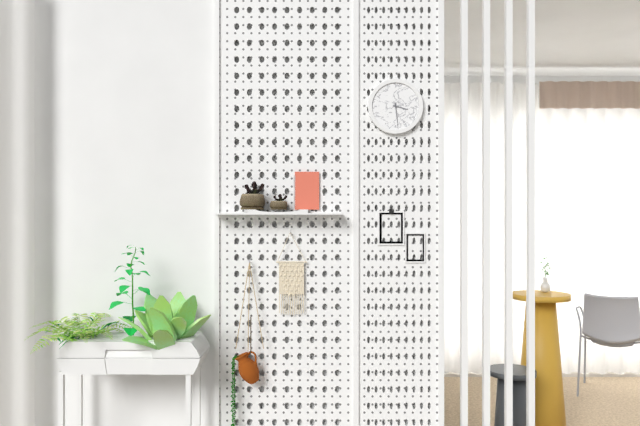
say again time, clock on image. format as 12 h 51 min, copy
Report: 3 h 29 min
